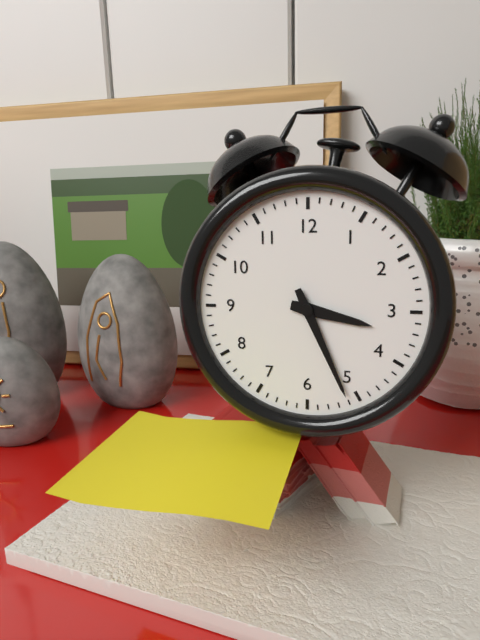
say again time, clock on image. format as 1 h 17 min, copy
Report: 3 h 26 min
